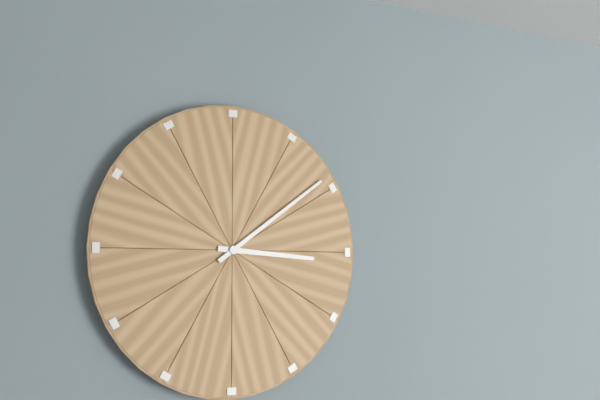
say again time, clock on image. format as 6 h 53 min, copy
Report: 3 h 09 min
